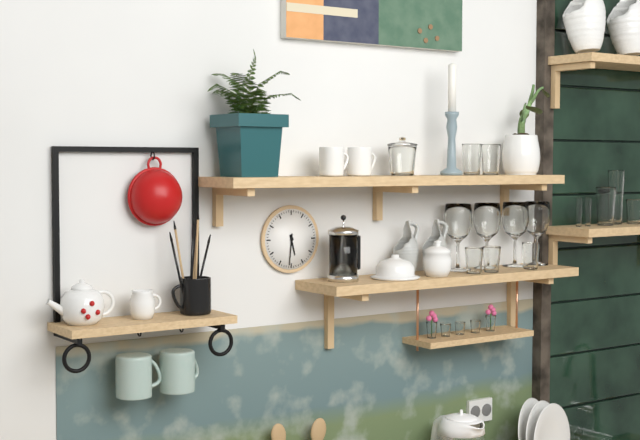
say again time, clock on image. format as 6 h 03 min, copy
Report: 5 h 31 min
